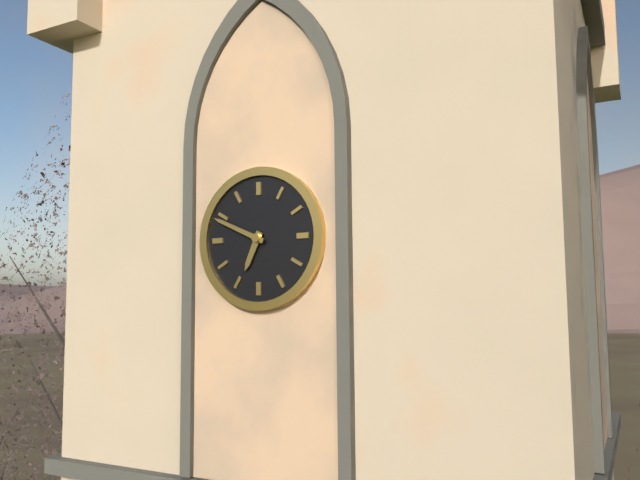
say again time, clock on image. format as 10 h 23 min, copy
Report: 6 h 49 min
